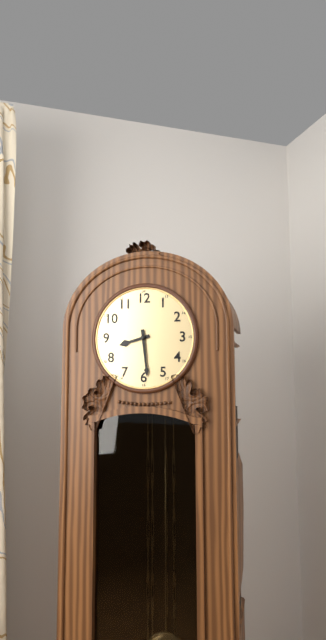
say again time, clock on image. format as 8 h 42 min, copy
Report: 8 h 29 min
